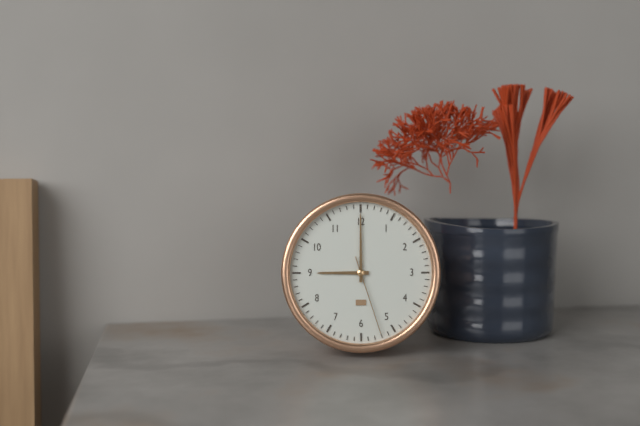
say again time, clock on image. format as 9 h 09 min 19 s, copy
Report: 9 h 00 min 27 s
